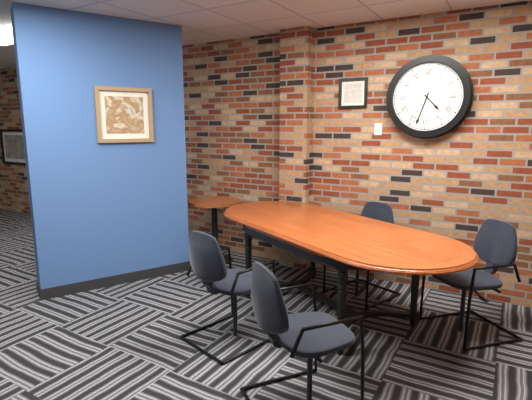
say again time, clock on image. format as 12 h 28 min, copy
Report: 4 h 33 min
